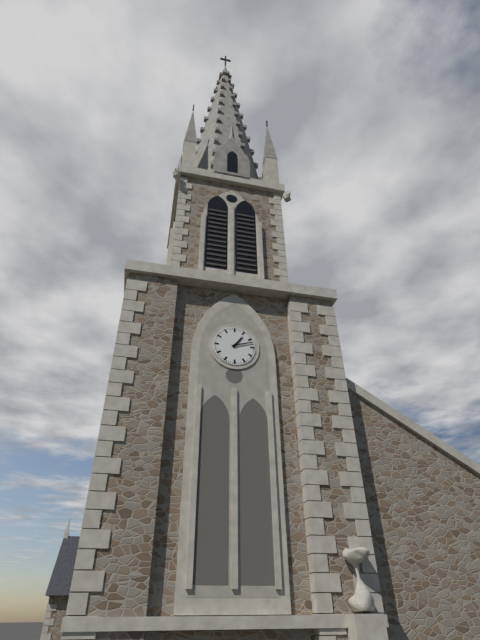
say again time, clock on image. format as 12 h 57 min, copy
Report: 1 h 12 min
